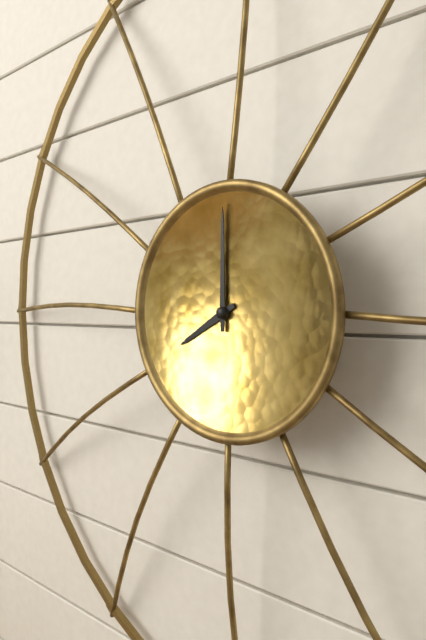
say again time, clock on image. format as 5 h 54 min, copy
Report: 8 h 00 min
